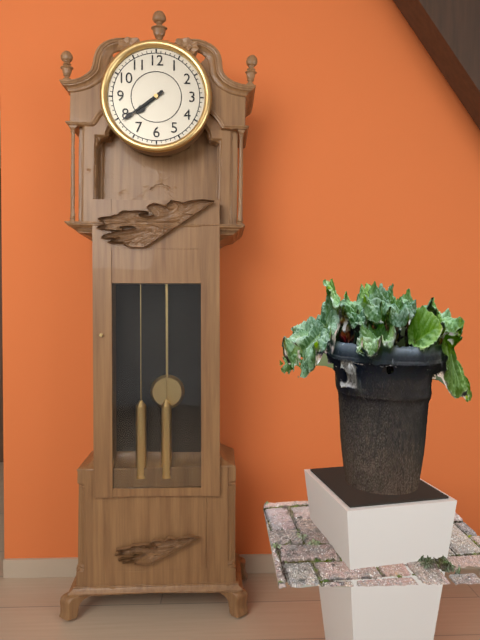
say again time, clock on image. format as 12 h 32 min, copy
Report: 7 h 39 min
